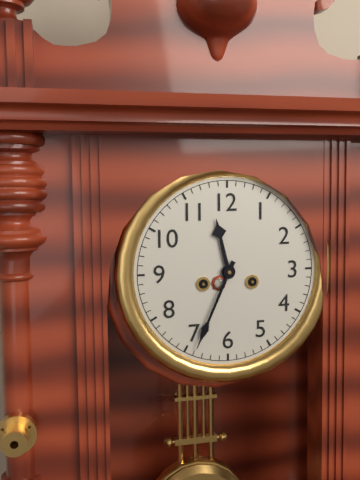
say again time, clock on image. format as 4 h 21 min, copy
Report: 11 h 34 min
